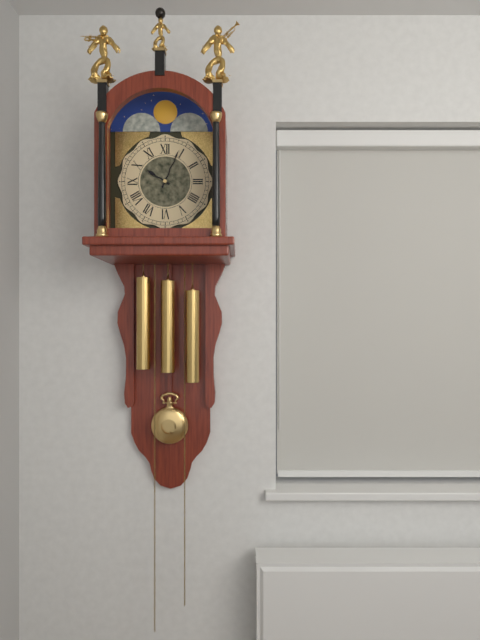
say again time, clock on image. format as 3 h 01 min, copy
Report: 10 h 04 min
